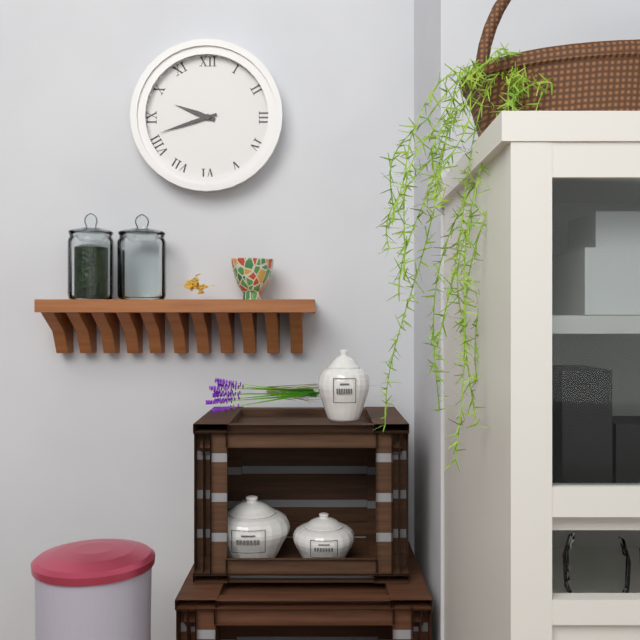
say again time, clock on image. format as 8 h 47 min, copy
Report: 9 h 42 min
